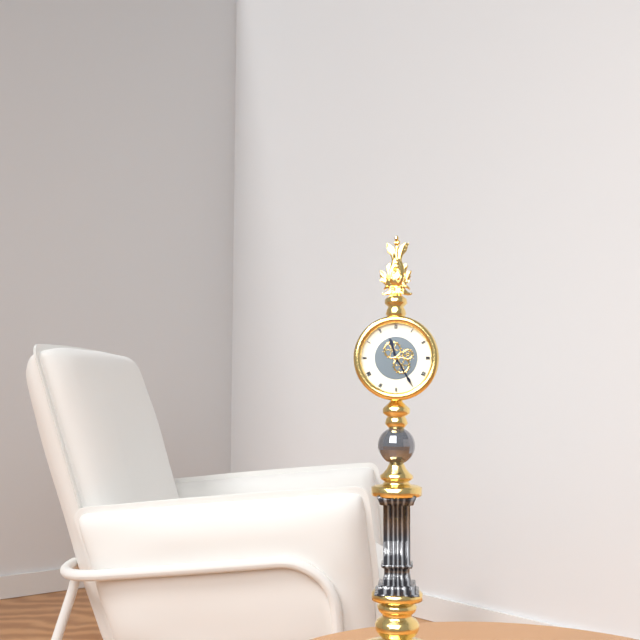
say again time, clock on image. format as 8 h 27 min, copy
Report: 11 h 25 min
